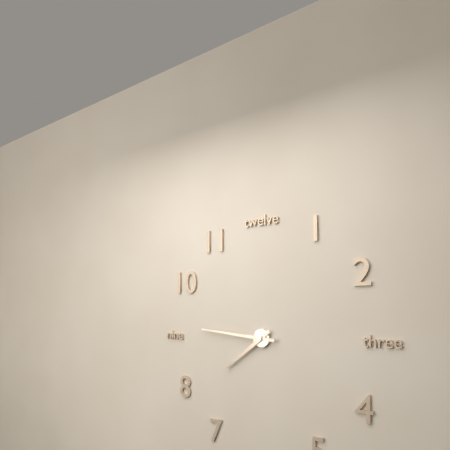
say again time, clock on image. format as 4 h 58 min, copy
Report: 7 h 46 min
